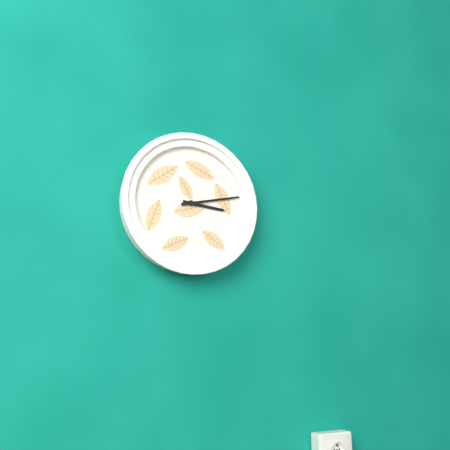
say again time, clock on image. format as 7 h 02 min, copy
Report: 3 h 13 min
